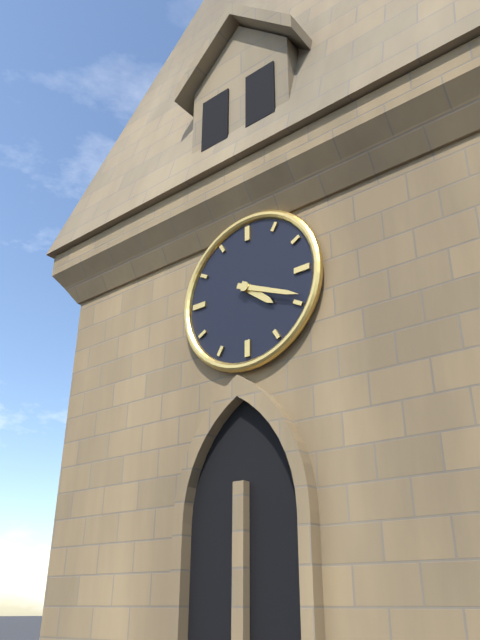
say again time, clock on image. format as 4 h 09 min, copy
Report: 4 h 19 min
